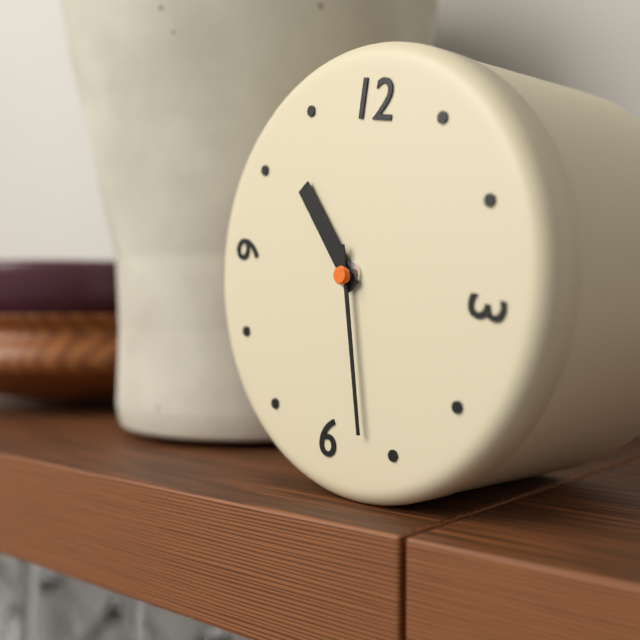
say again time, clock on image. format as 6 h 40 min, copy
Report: 10 h 27 min
